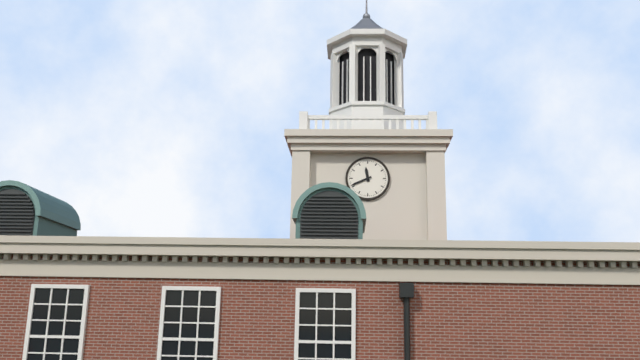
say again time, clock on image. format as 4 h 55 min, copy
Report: 11 h 41 min
